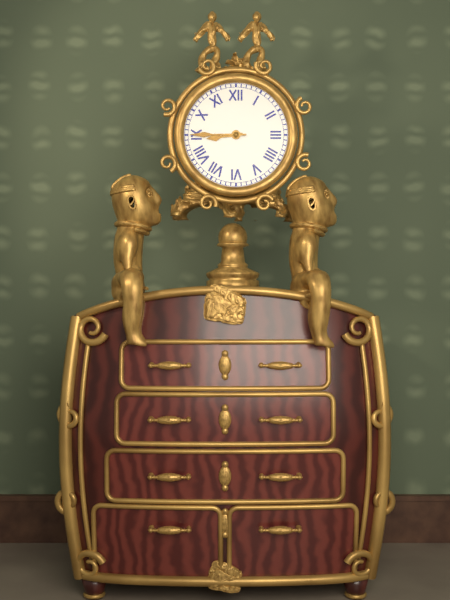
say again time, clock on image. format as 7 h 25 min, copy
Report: 8 h 45 min
